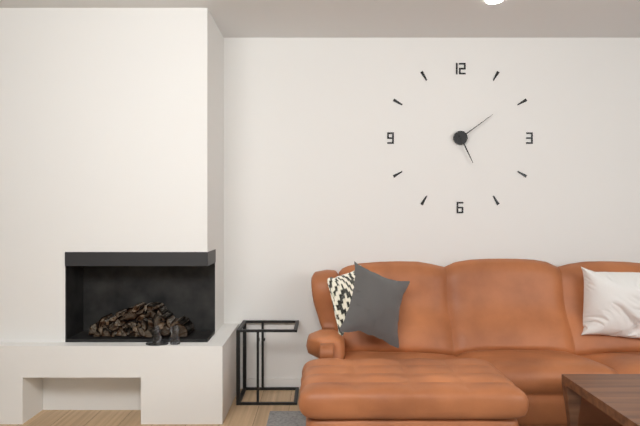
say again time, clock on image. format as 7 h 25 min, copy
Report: 5 h 09 min
